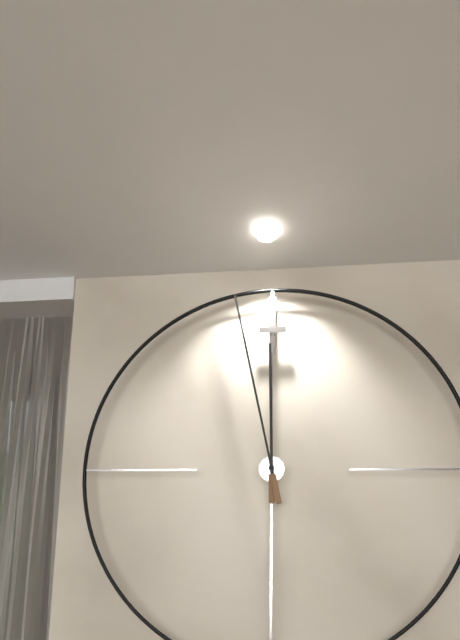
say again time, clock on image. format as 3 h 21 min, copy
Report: 11 h 58 min
